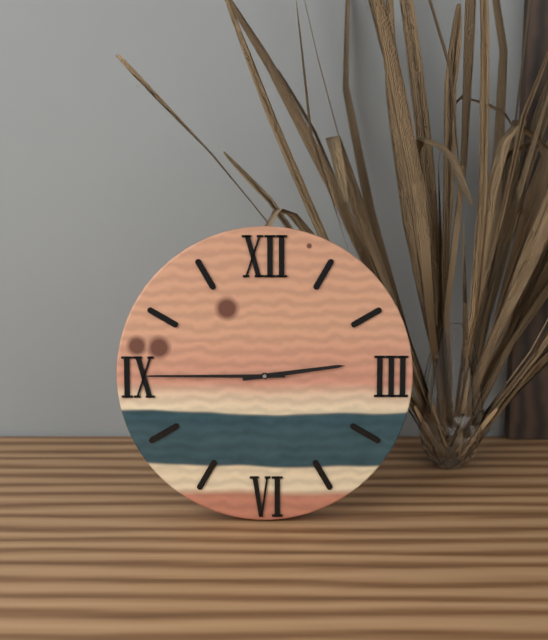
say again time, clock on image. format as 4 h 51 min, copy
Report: 2 h 45 min
